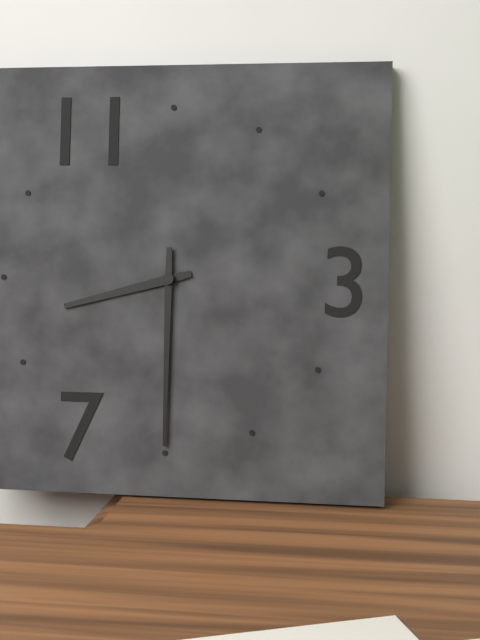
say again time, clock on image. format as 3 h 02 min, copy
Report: 8 h 30 min
